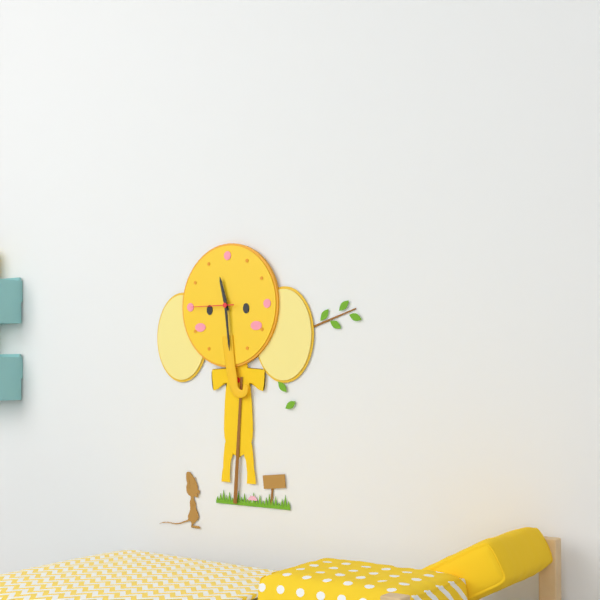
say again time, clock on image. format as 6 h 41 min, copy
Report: 11 h 29 min
